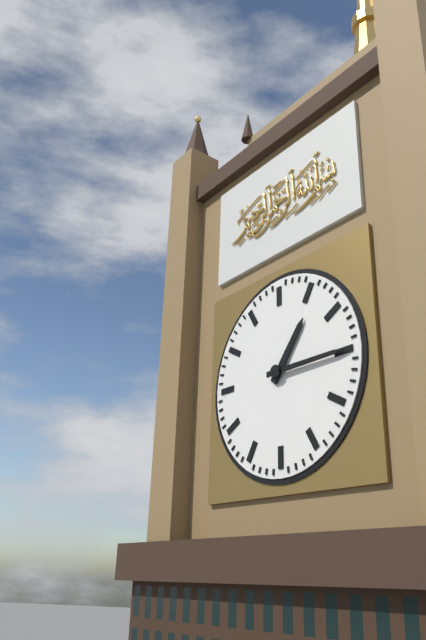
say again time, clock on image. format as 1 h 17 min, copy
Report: 1 h 15 min
